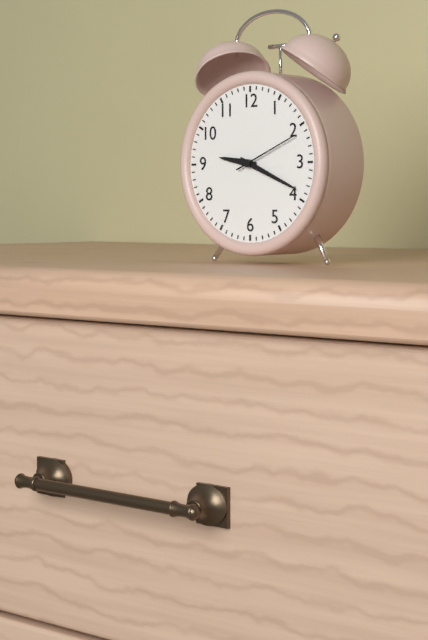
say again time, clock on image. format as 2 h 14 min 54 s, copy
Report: 9 h 19 min 11 s
